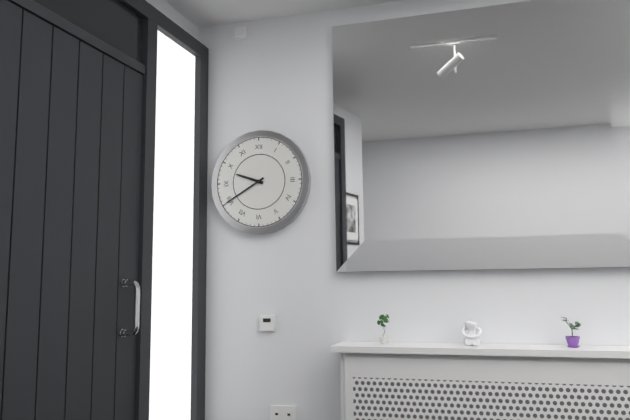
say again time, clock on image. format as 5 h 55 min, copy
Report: 9 h 40 min
